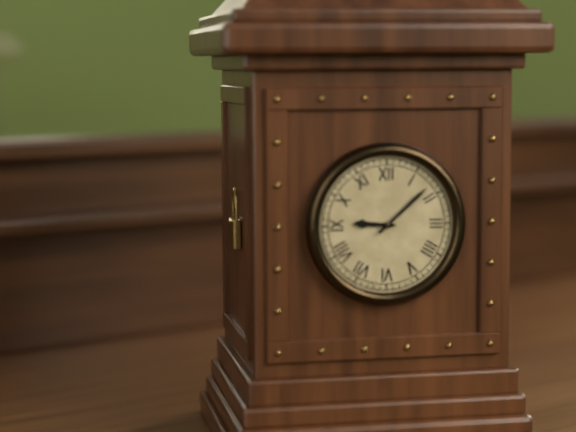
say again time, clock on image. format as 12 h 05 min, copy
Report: 9 h 08 min
